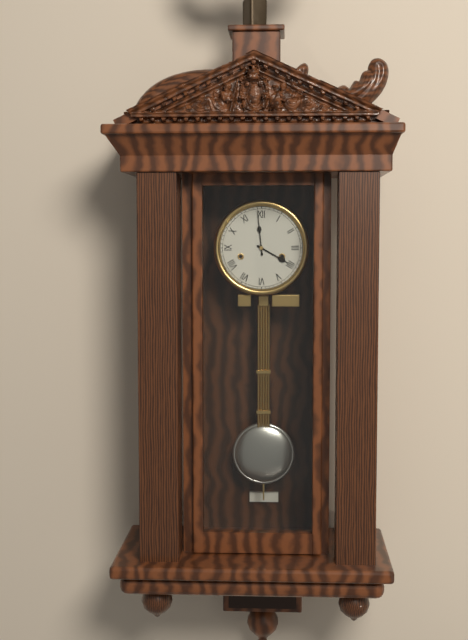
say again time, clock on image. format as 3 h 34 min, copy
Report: 3 h 59 min
